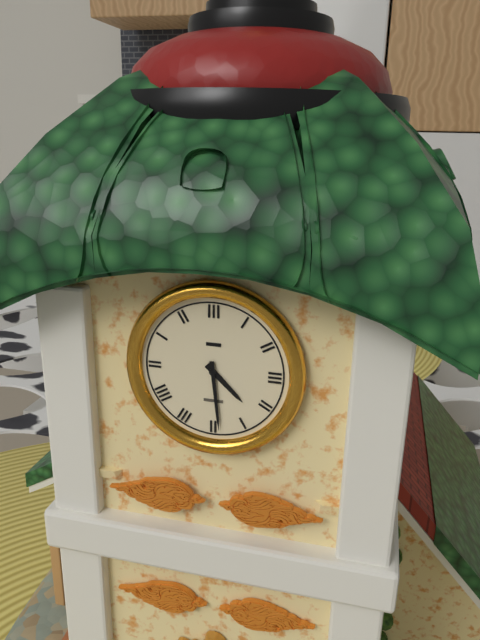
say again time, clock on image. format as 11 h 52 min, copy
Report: 4 h 29 min
